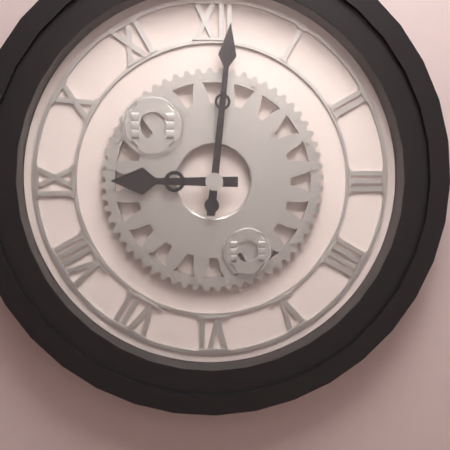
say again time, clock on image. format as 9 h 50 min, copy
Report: 9 h 01 min
